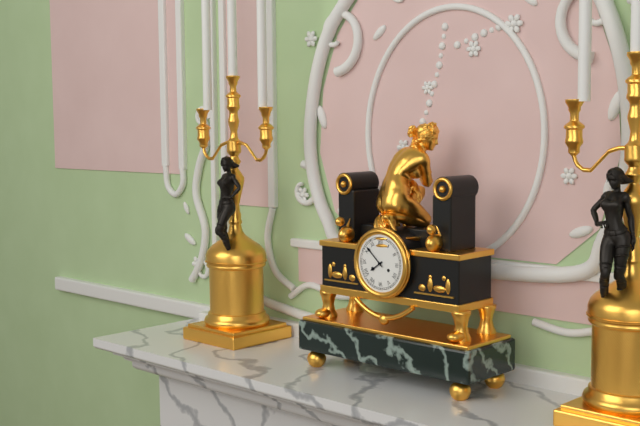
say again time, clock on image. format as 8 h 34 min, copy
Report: 7 h 52 min
